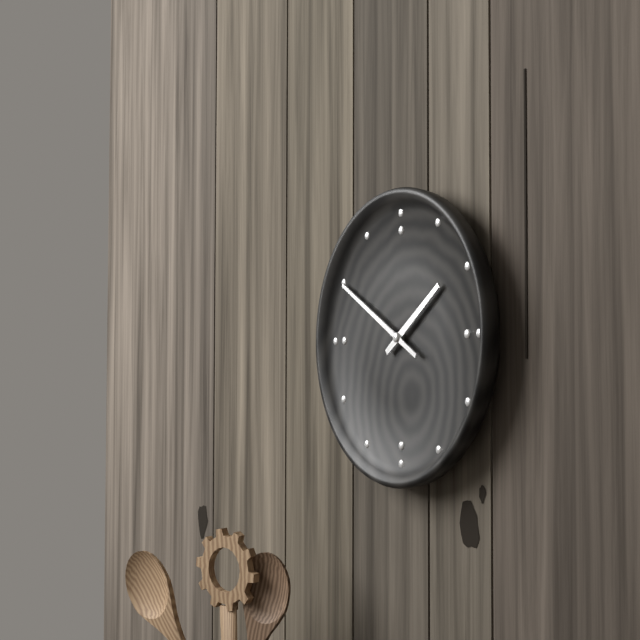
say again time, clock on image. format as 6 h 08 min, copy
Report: 1 h 50 min
